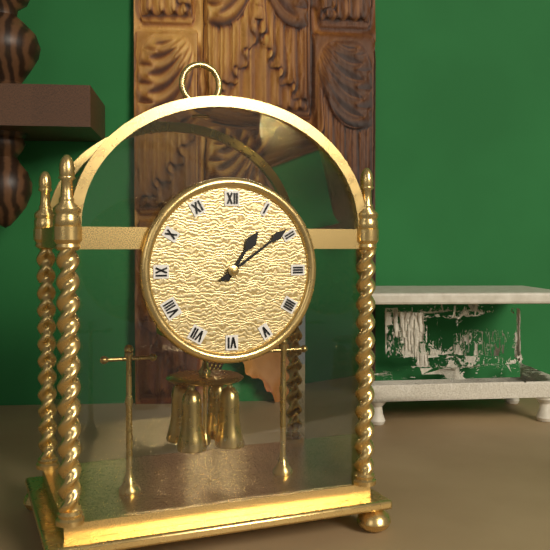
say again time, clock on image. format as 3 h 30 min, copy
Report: 1 h 09 min
